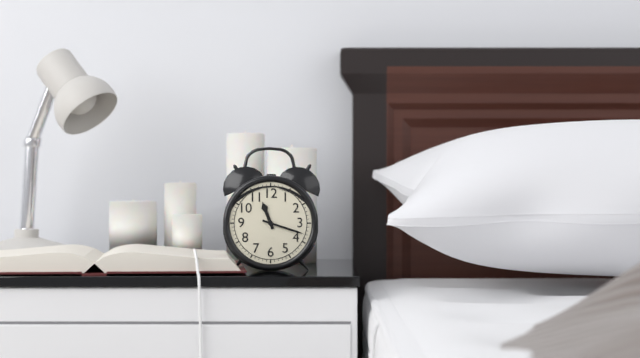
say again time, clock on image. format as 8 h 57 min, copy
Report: 11 h 18 min
